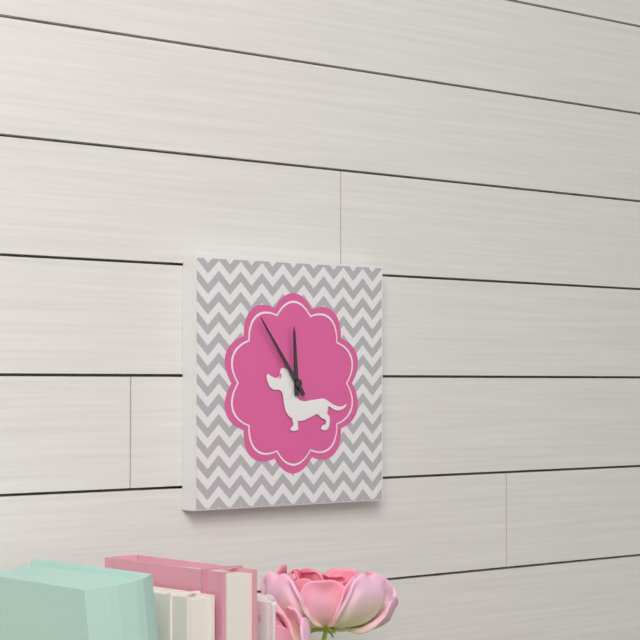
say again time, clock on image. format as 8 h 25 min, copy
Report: 11 h 54 min
